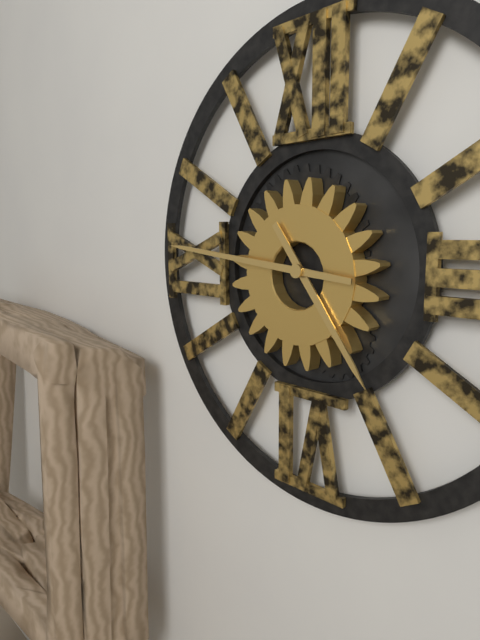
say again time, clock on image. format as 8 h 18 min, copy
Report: 4 h 46 min
